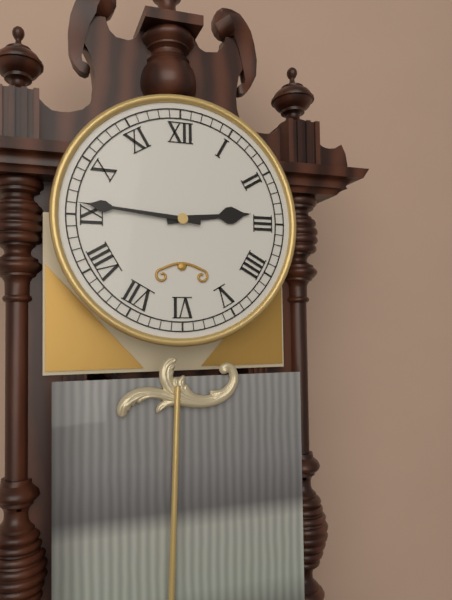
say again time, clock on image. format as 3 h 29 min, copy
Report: 2 h 46 min
